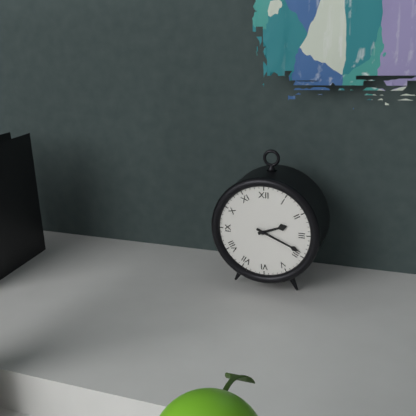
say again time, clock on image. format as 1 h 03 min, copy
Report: 2 h 19 min
